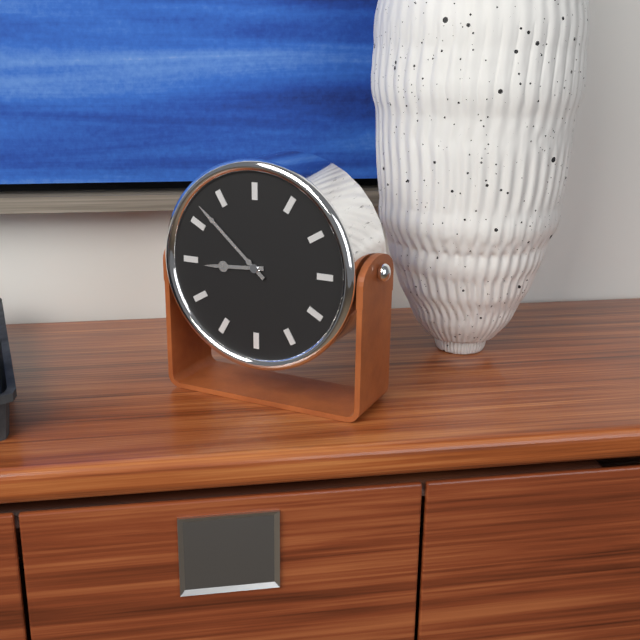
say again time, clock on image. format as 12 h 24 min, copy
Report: 8 h 52 min
